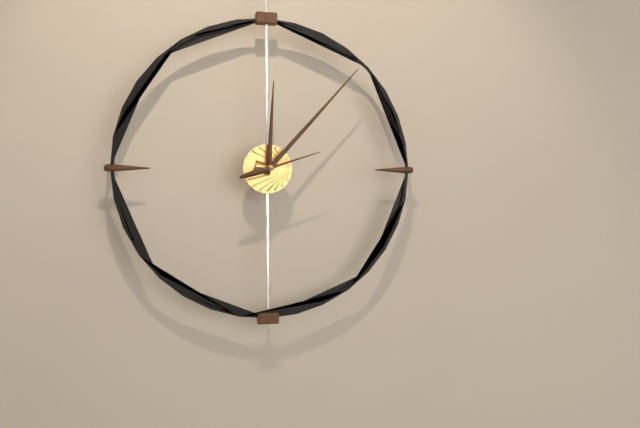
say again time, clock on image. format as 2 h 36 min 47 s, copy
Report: 12 h 07 min 12 s
